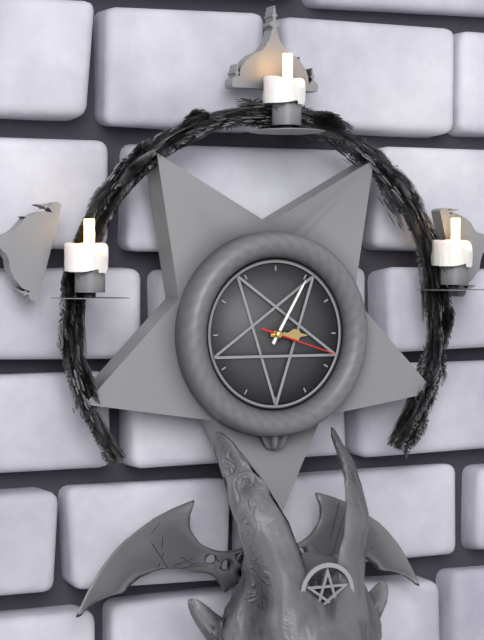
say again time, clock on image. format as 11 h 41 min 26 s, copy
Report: 3 h 05 min 18 s
